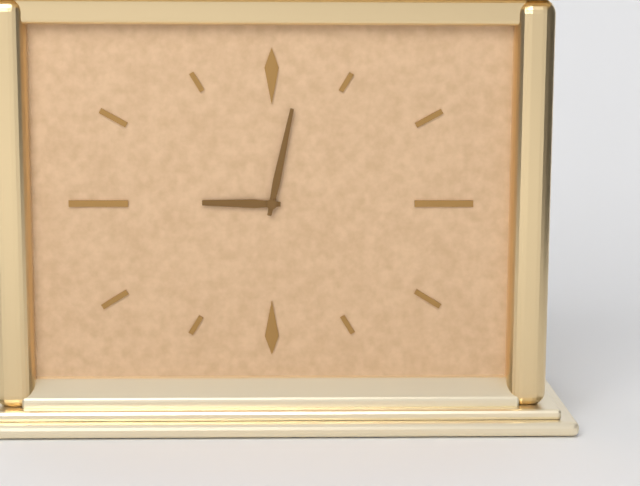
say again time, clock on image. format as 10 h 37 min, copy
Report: 9 h 02 min
